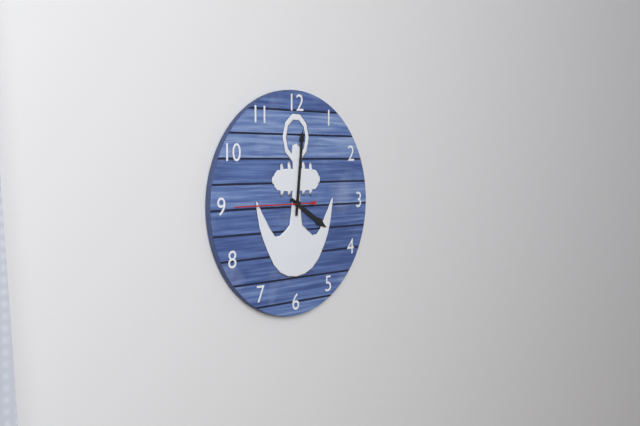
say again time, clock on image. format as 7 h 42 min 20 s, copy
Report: 4 h 01 min 45 s
